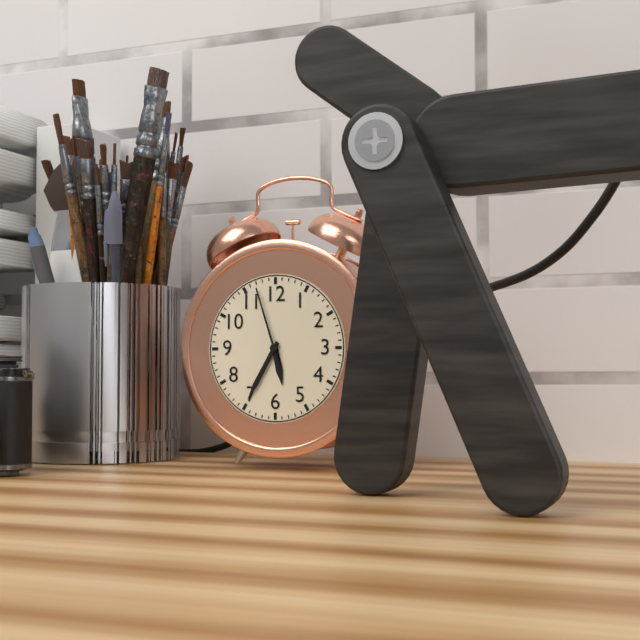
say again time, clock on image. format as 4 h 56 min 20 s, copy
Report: 5 h 35 min 57 s
